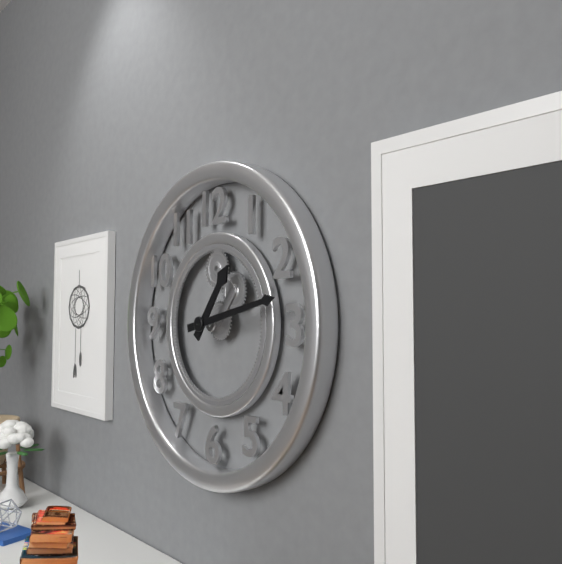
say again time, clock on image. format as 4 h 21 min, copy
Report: 1 h 13 min
